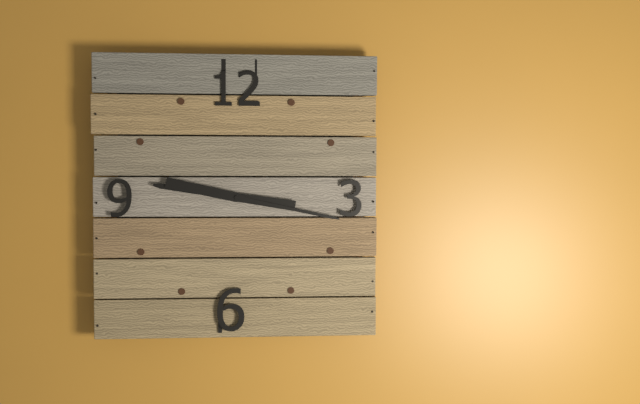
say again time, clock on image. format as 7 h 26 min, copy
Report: 9 h 17 min
